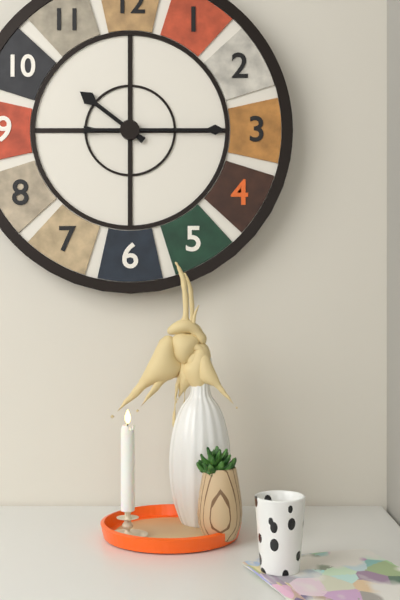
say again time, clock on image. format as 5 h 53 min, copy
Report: 10 h 15 min
